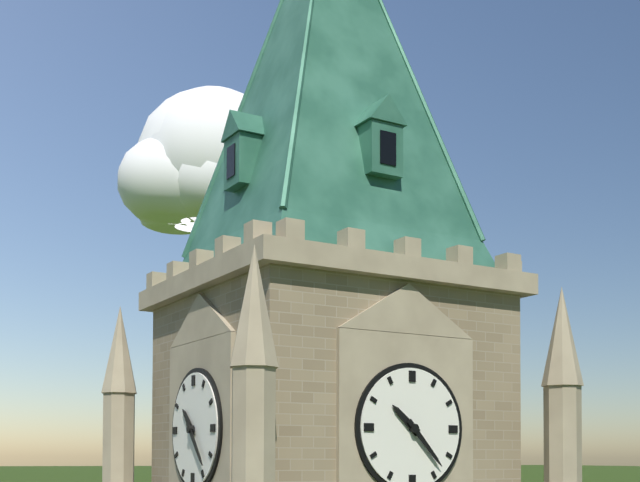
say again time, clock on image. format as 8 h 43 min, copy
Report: 10 h 23 min
